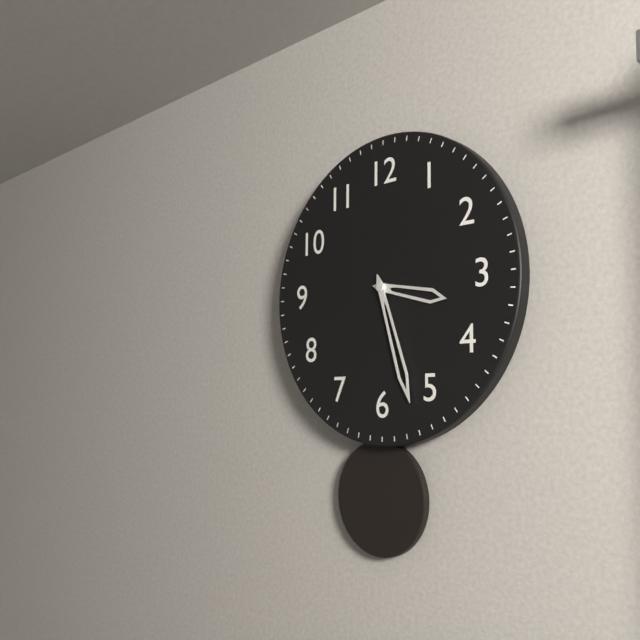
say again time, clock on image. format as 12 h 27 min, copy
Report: 3 h 27 min
